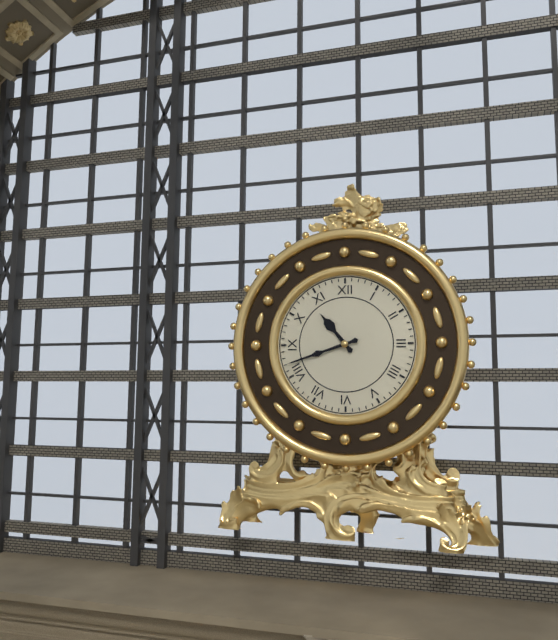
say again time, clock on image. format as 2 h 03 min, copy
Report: 10 h 42 min
